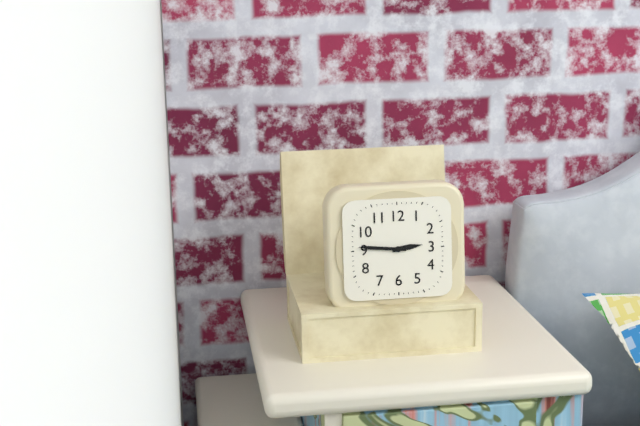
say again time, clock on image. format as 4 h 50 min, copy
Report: 2 h 46 min
